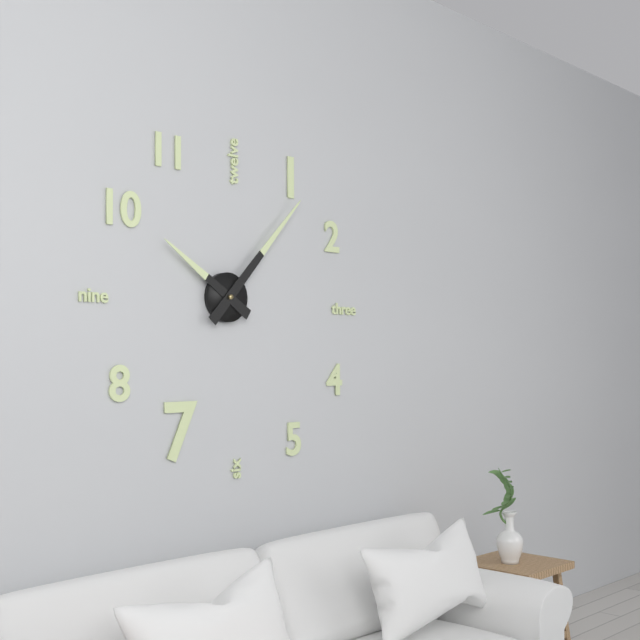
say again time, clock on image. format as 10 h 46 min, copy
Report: 10 h 07 min
